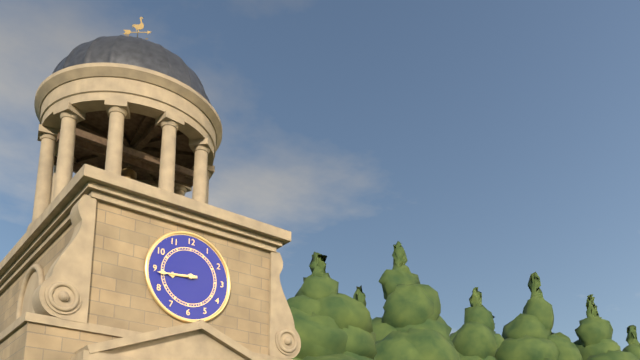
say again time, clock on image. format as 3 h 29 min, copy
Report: 8 h 44 min
